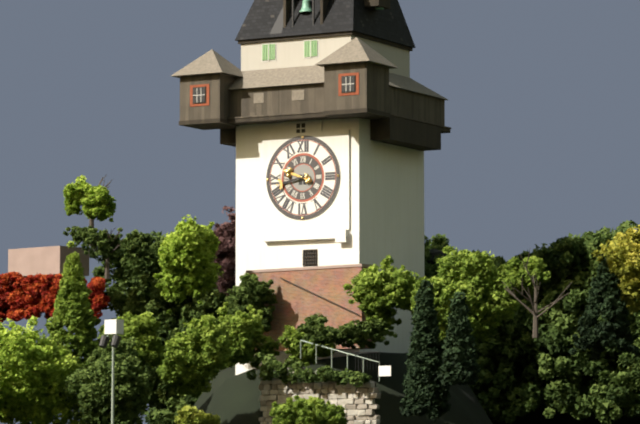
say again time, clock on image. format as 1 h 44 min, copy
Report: 9 h 43 min
